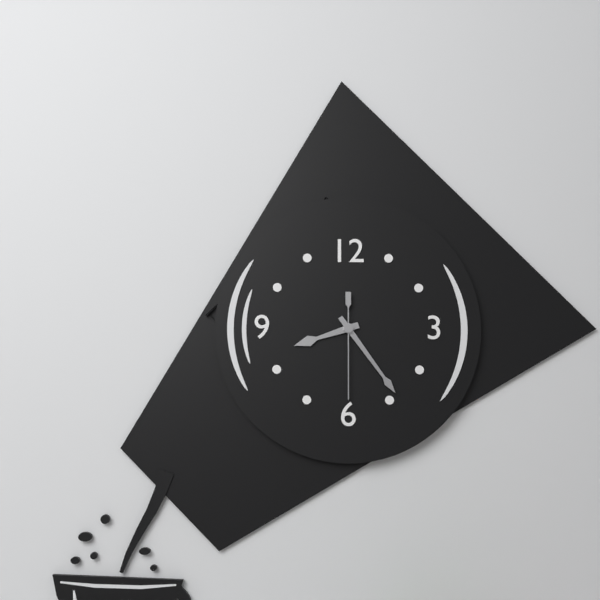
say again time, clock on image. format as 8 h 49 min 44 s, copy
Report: 8 h 24 min 30 s
